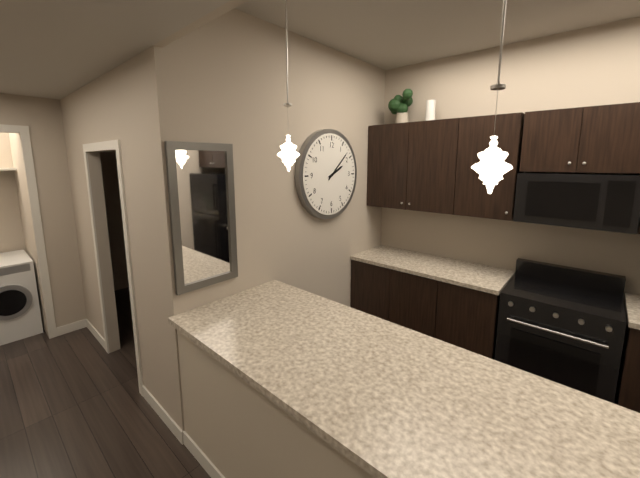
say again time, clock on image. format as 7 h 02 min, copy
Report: 2 h 08 min
